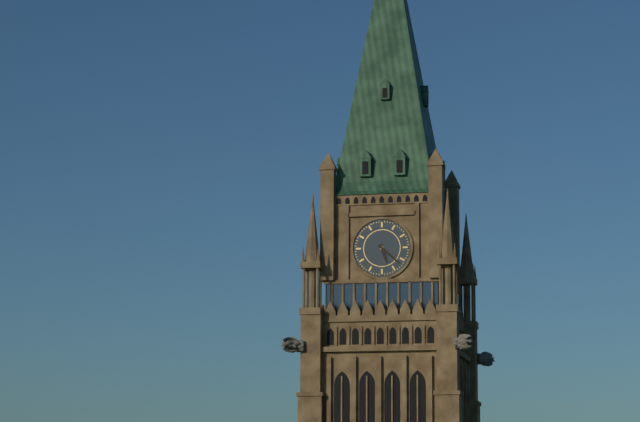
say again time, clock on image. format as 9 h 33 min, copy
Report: 5 h 22 min
